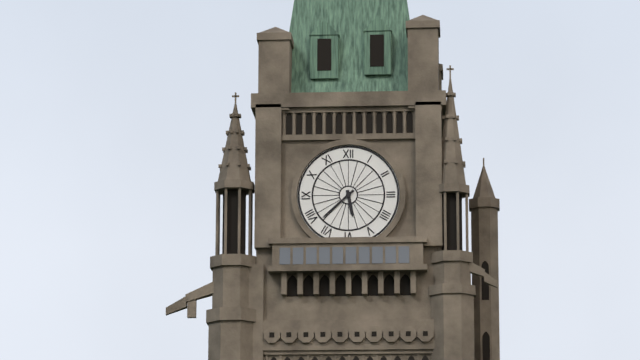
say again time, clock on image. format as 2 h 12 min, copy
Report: 5 h 38 min
